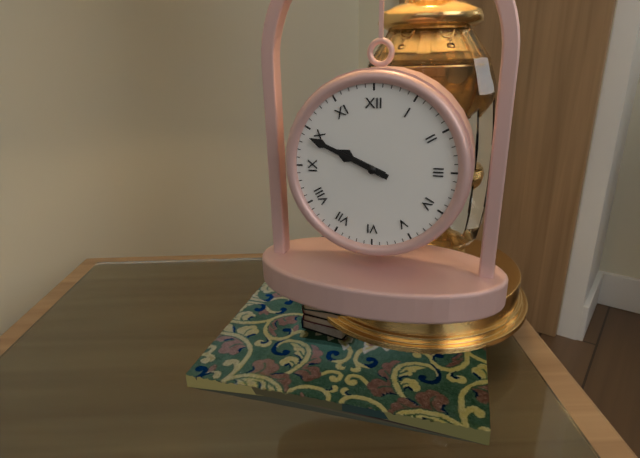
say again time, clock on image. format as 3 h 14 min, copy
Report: 9 h 49 min
